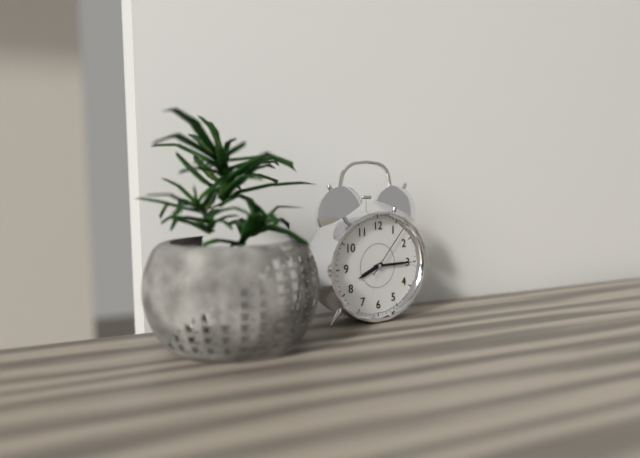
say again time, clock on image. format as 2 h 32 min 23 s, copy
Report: 8 h 15 min 07 s
